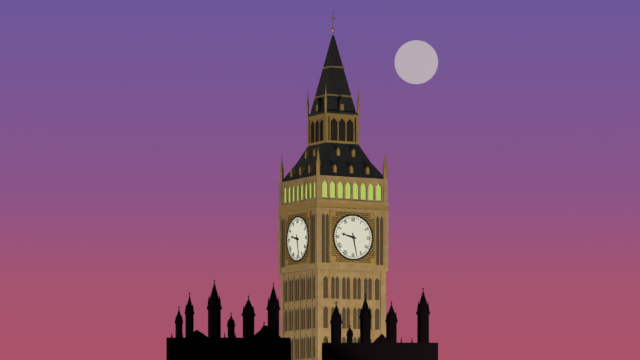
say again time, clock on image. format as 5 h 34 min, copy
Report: 9 h 28 min
